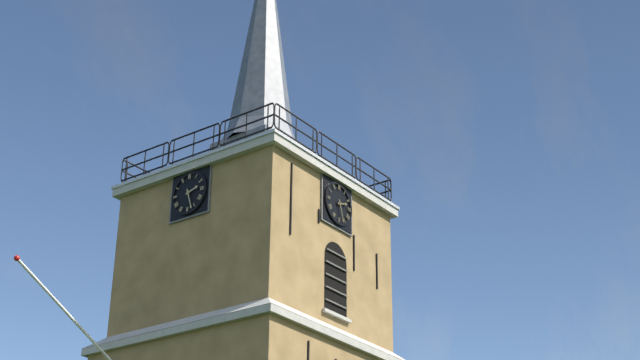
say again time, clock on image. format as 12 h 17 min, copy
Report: 2 h 27 min
